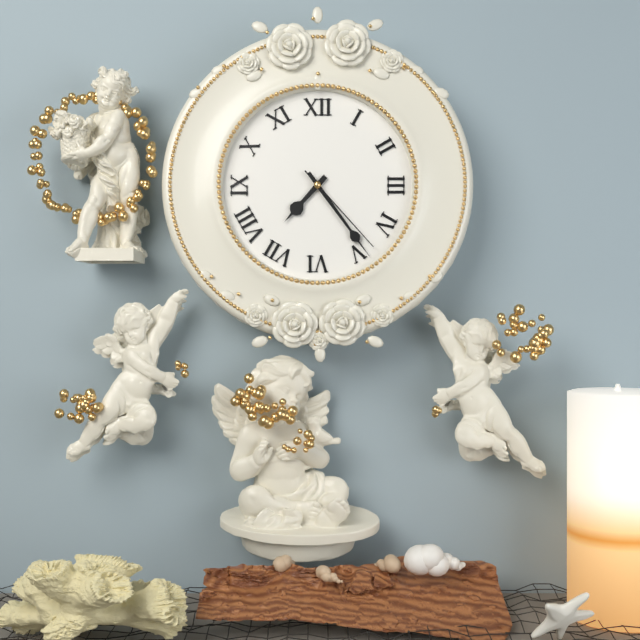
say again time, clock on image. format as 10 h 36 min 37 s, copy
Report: 7 h 24 min 23 s
